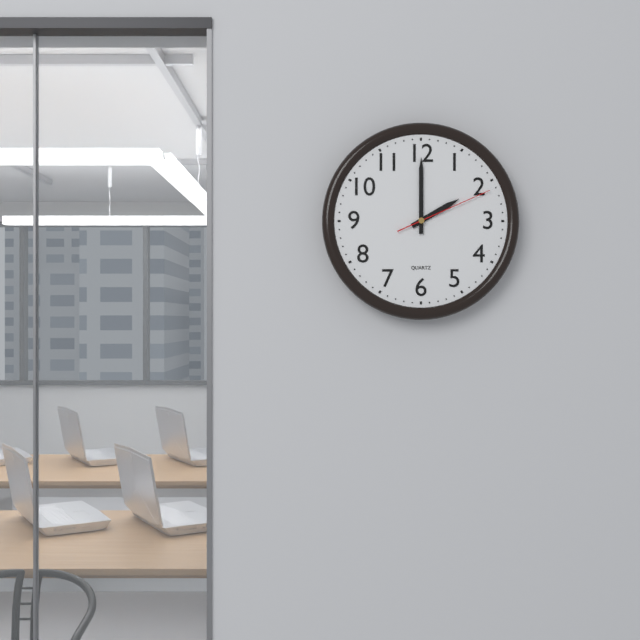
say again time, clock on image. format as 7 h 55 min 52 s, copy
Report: 2 h 00 min 11 s
